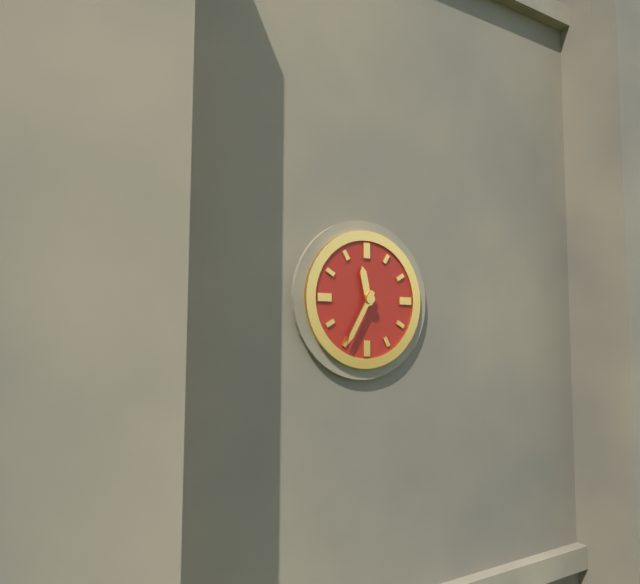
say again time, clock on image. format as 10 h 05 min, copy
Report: 11 h 35 min
